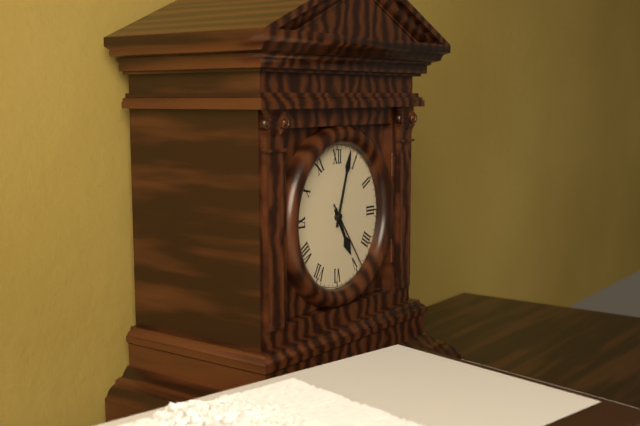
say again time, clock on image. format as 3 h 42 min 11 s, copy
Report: 5 h 03 min 24 s
